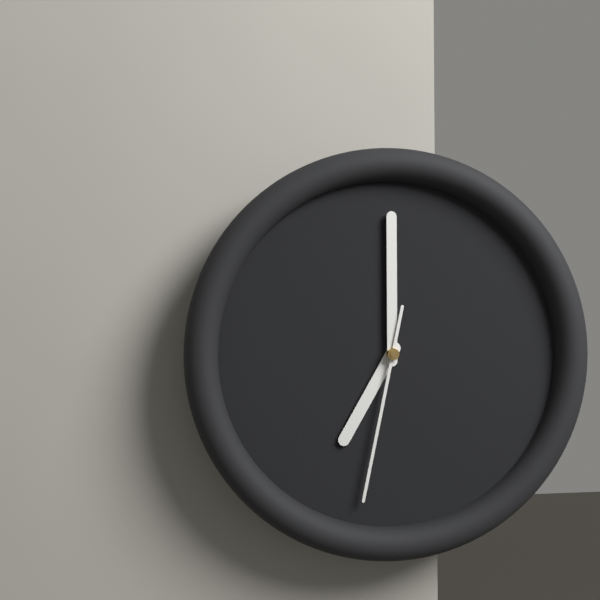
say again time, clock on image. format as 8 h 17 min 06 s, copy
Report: 7 h 00 min 32 s
